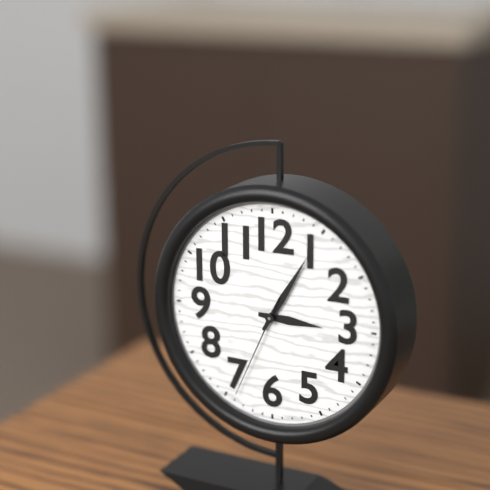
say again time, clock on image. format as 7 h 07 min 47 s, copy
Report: 3 h 05 min 34 s
